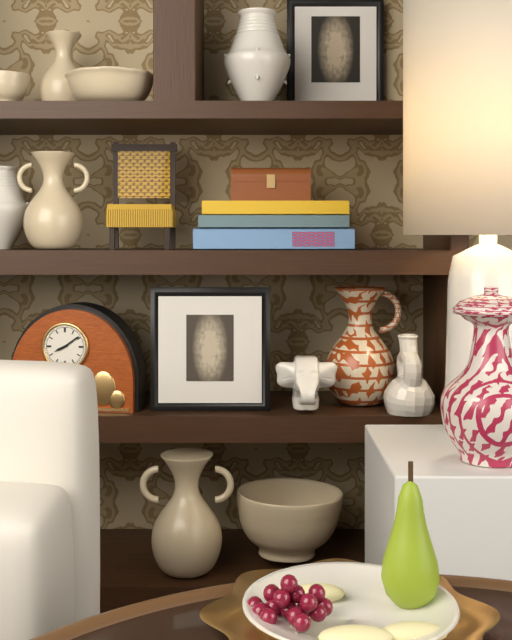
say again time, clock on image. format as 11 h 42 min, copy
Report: 8 h 09 min
